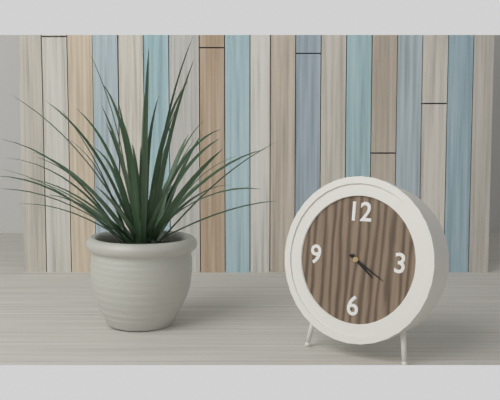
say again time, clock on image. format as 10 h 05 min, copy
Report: 4 h 20 min
